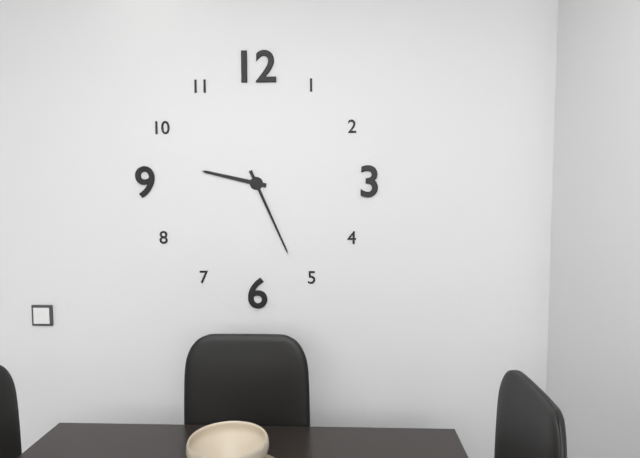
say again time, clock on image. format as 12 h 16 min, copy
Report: 9 h 26 min
